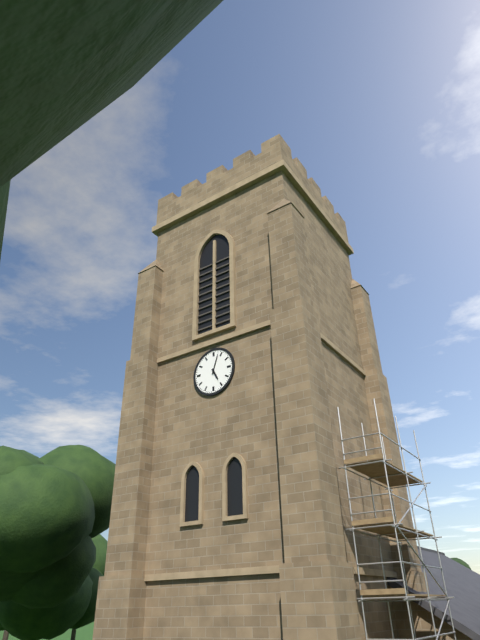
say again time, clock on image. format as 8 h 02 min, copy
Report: 5 h 03 min
